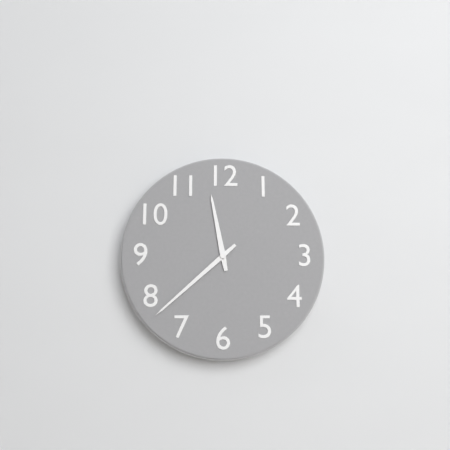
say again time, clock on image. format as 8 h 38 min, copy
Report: 11 h 38 min
